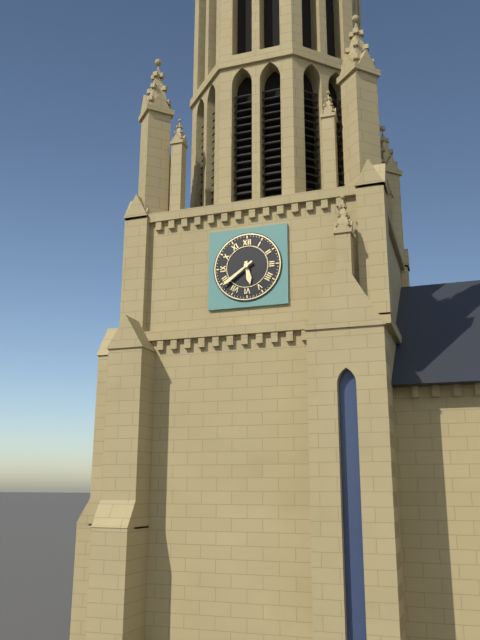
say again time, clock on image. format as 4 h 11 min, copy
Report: 5 h 39 min
